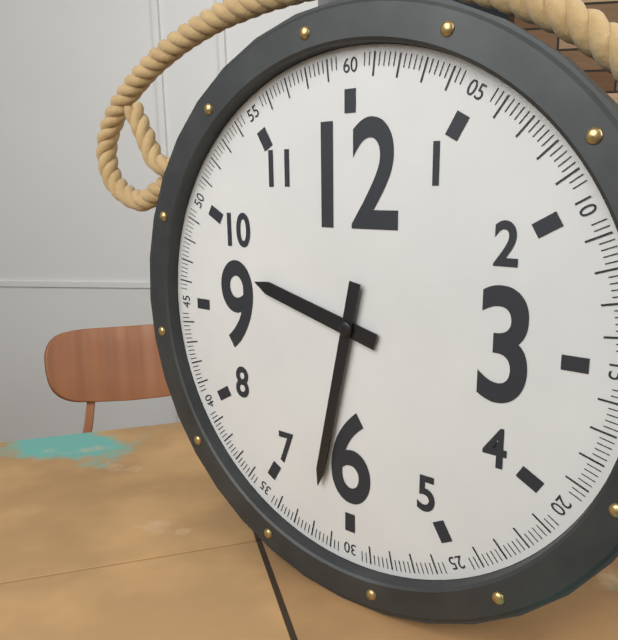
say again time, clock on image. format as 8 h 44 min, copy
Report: 9 h 32 min
